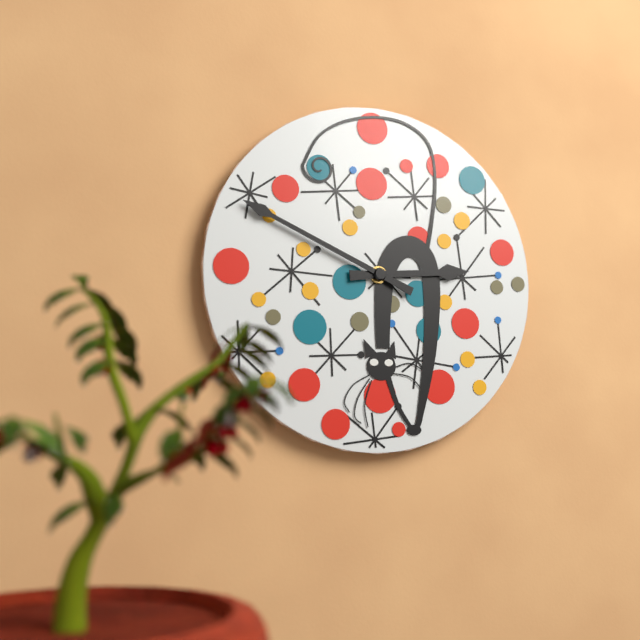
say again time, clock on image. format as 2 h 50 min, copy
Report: 2 h 49 min
